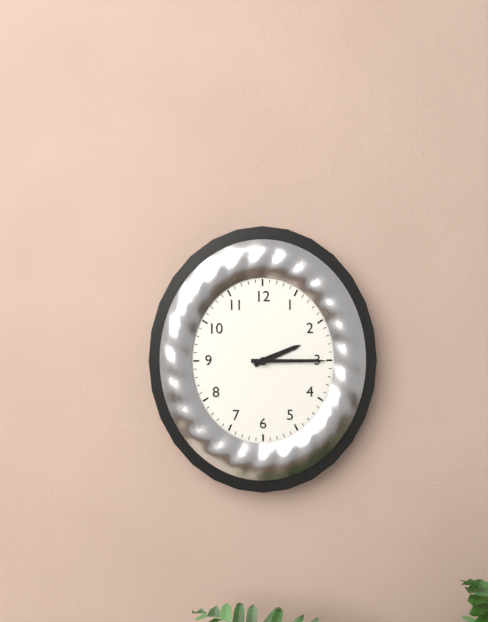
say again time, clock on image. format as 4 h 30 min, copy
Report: 2 h 15 min
